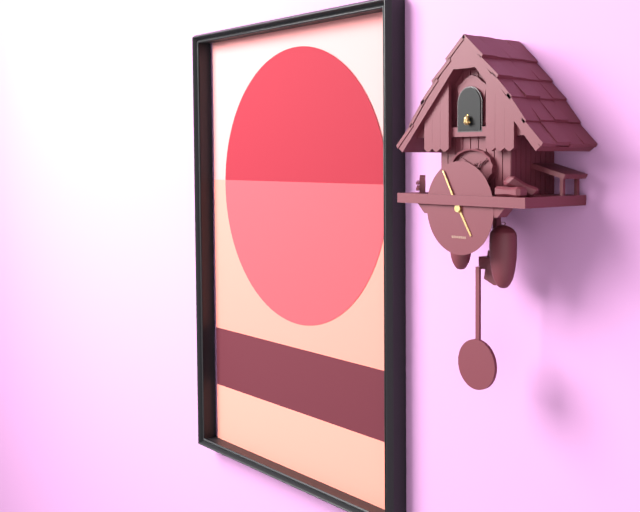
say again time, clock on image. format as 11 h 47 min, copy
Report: 4 h 55 min
